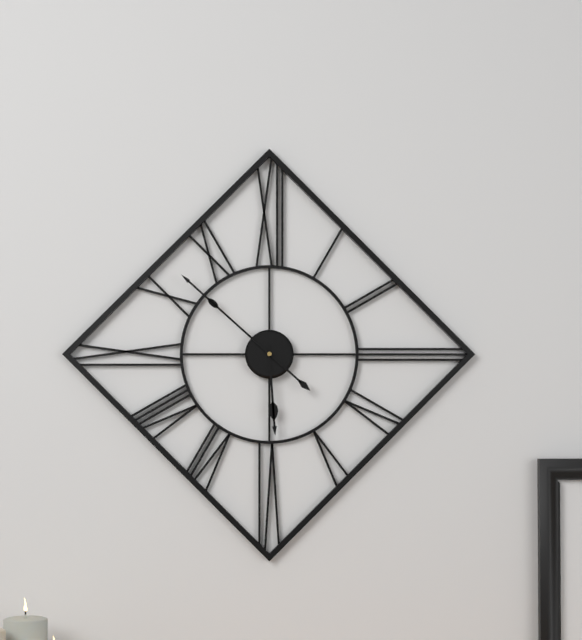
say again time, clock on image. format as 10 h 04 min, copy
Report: 5 h 52 min
